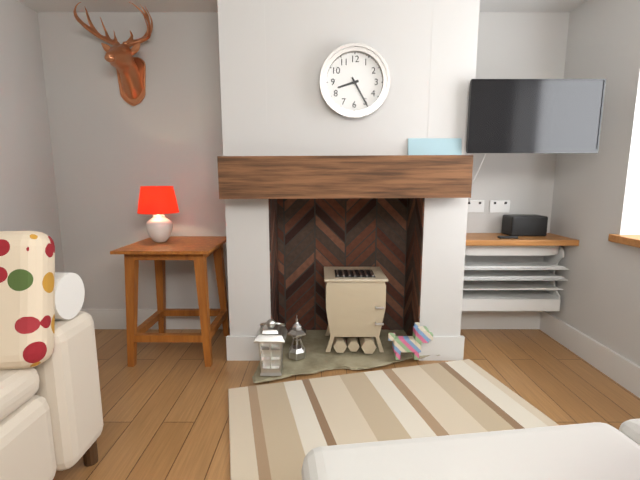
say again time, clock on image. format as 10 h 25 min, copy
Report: 8 h 25 min
